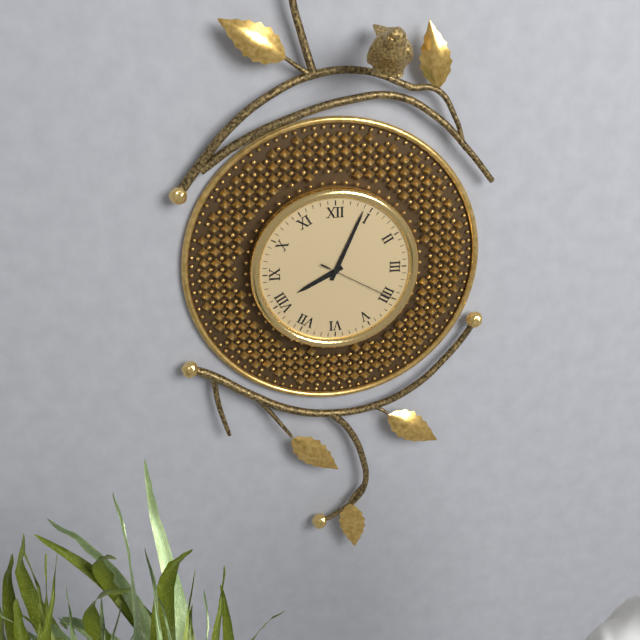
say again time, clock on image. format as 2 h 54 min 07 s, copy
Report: 8 h 04 min 20 s
